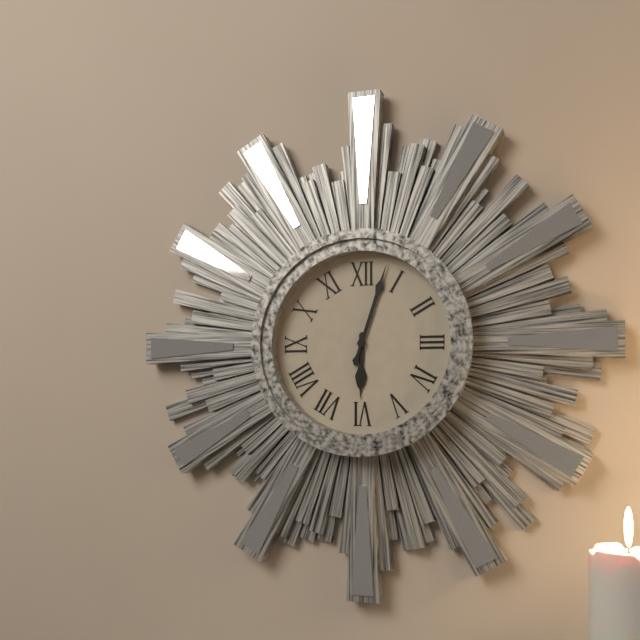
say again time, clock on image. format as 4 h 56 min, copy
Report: 6 h 03 min
